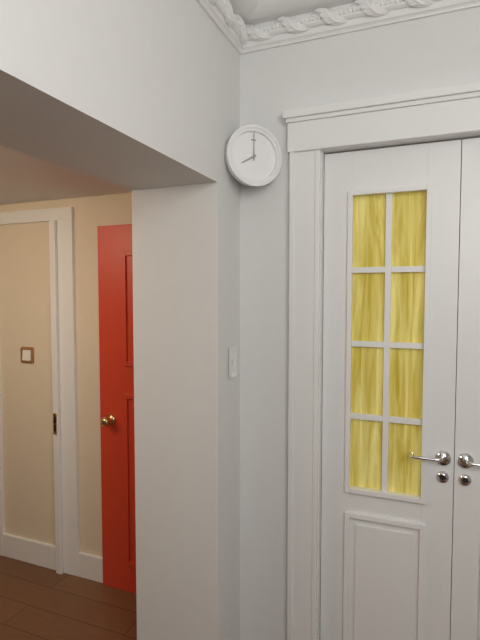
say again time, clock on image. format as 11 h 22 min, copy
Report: 8 h 00 min
